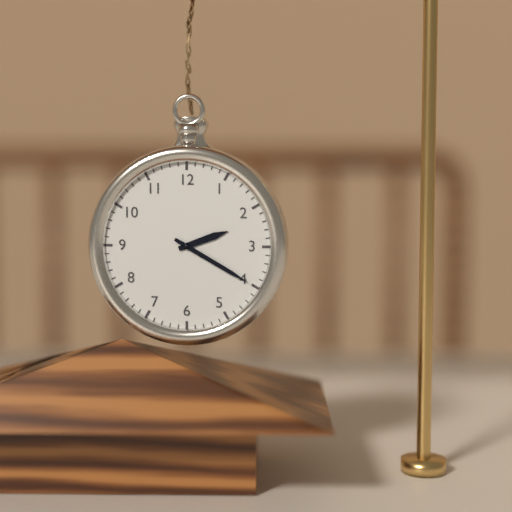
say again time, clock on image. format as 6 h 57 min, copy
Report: 2 h 20 min
